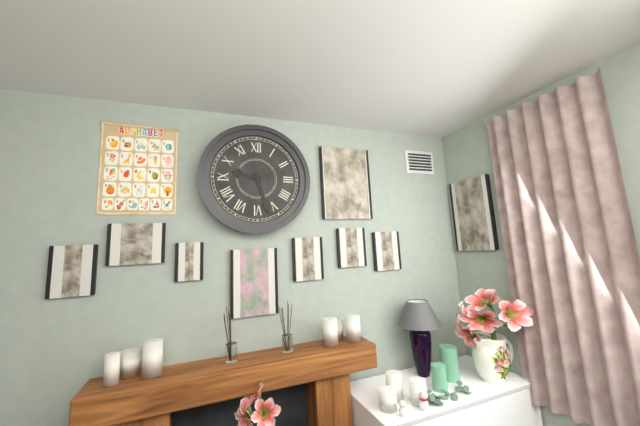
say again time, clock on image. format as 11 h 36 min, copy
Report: 9 h 27 min
